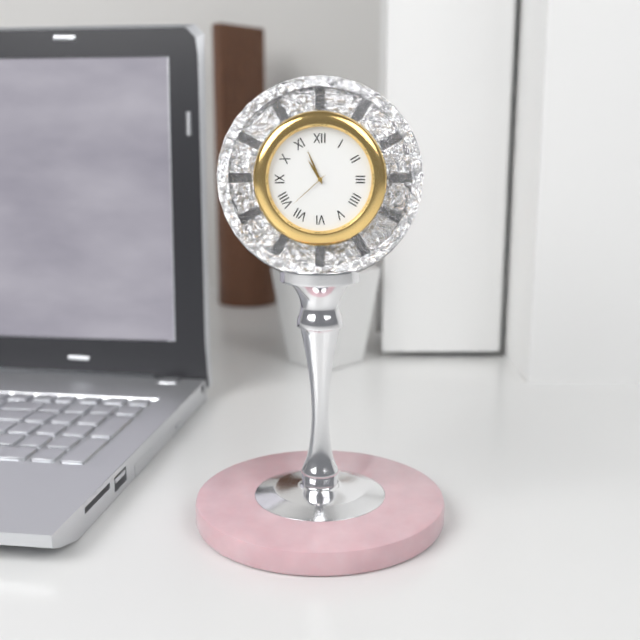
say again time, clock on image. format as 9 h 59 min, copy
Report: 10 h 56 min
